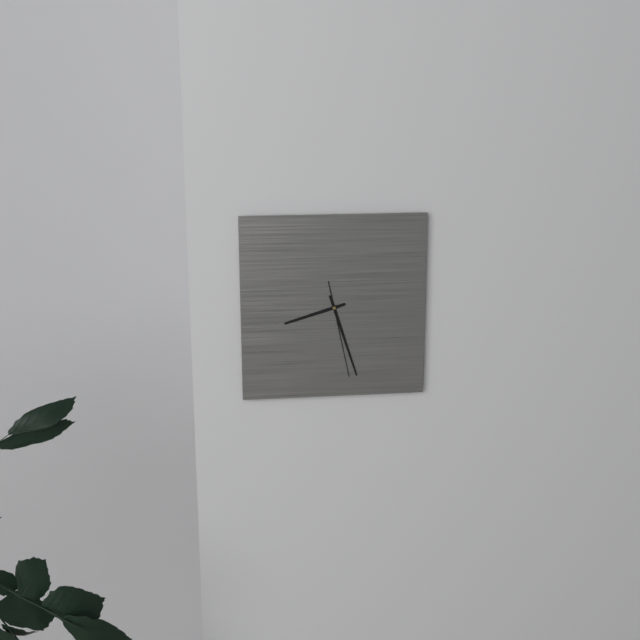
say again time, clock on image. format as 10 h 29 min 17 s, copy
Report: 8 h 27 min 28 s
